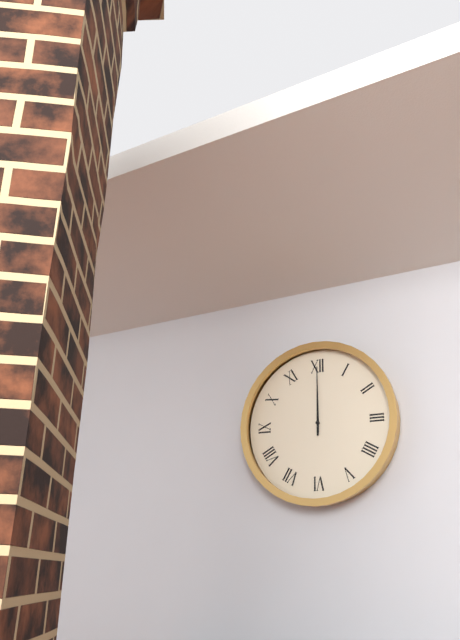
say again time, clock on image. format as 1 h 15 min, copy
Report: 12 h 00 min
